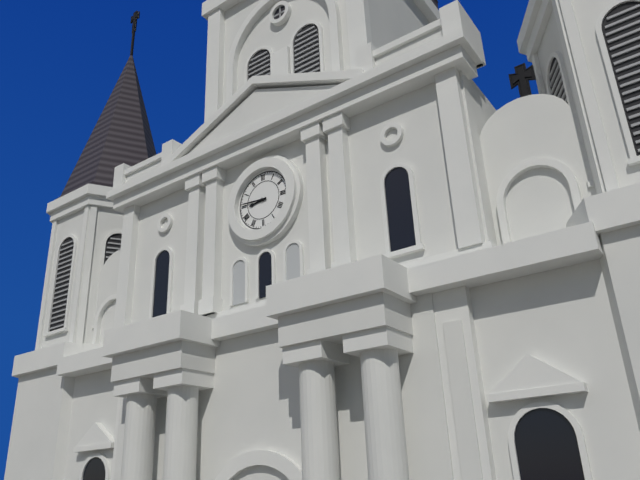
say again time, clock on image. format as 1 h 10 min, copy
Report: 8 h 46 min
